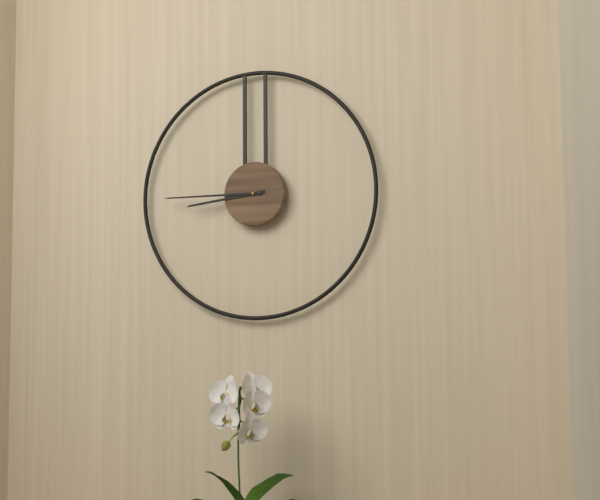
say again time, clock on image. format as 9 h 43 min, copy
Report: 8 h 45 min
